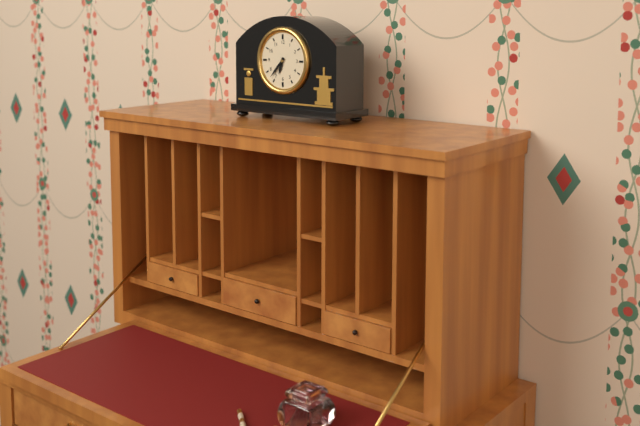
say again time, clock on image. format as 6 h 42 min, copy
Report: 6 h 37 min
